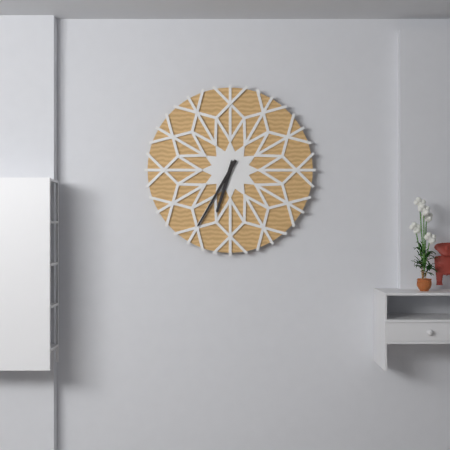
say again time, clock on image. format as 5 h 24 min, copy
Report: 6 h 35 min
